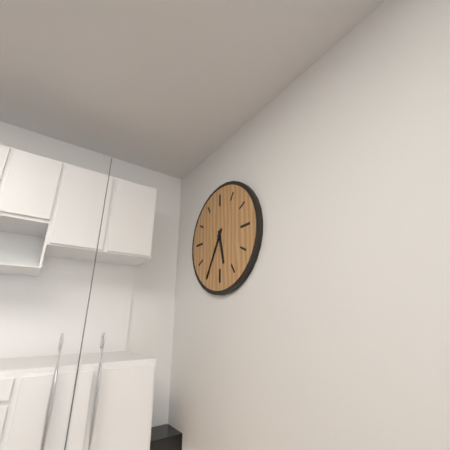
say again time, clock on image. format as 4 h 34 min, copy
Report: 5 h 35 min
